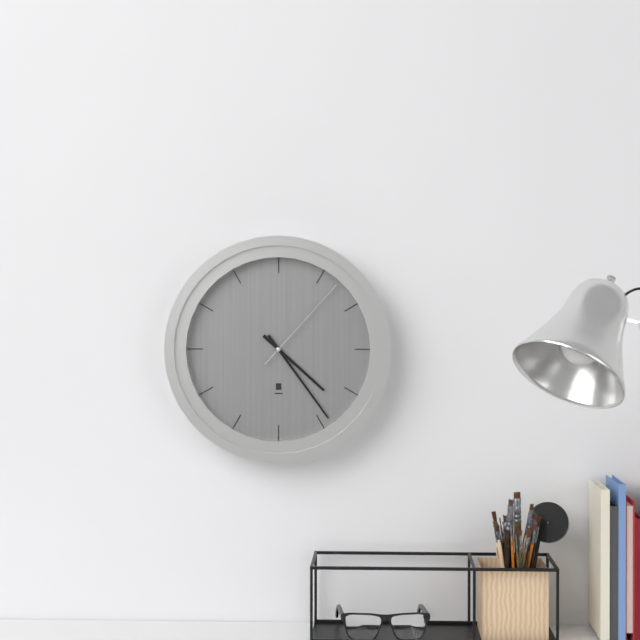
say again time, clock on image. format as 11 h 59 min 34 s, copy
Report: 4 h 24 min 07 s
